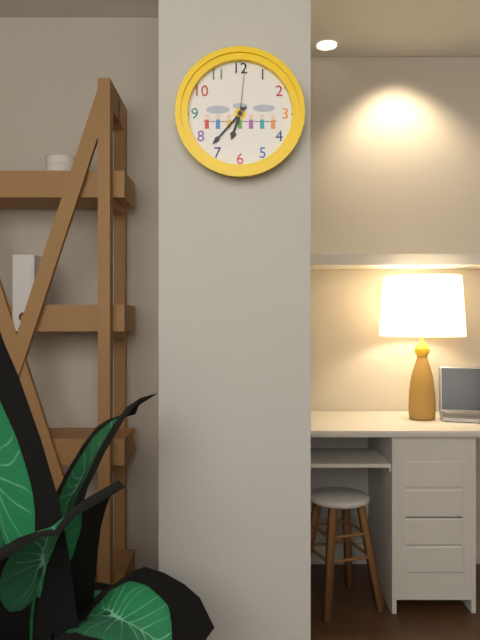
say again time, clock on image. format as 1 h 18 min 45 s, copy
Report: 6 h 37 min 01 s
